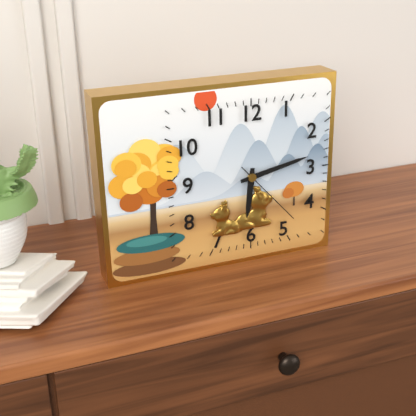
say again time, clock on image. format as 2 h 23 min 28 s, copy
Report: 6 h 13 min 23 s
